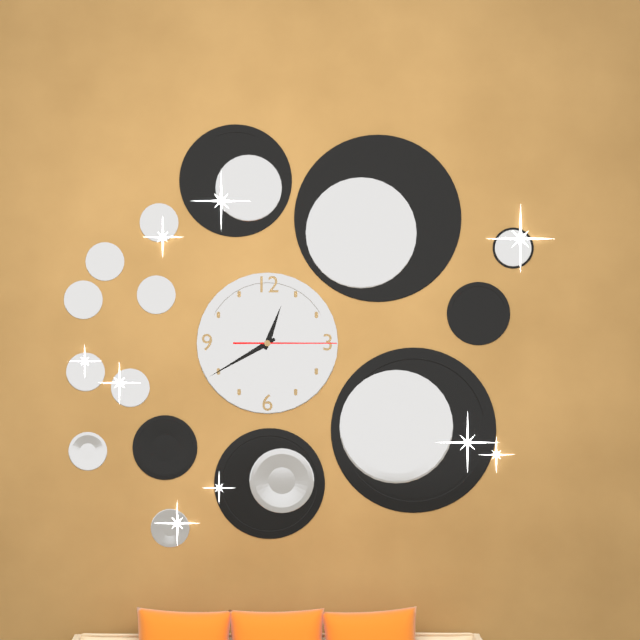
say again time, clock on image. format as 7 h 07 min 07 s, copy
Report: 12 h 40 min 15 s
